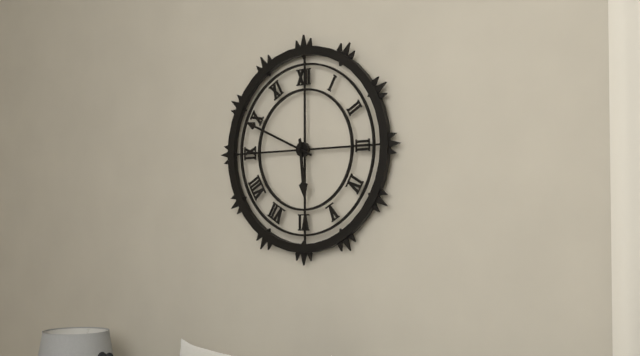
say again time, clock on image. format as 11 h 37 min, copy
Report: 5 h 49 min
